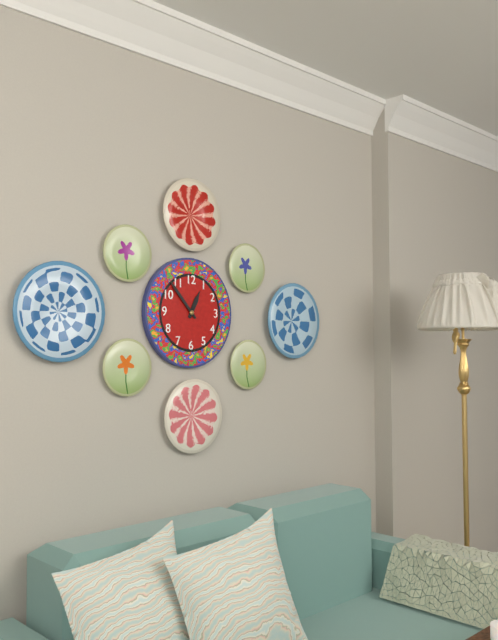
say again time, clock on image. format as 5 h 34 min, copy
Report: 12 h 53 min
